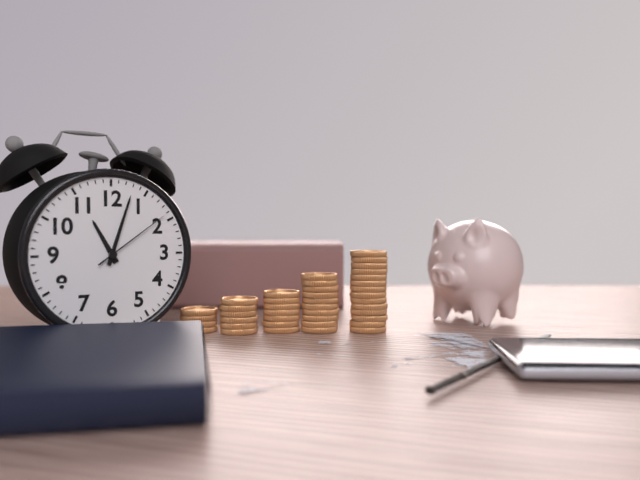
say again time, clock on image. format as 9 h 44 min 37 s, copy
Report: 11 h 03 min 09 s
